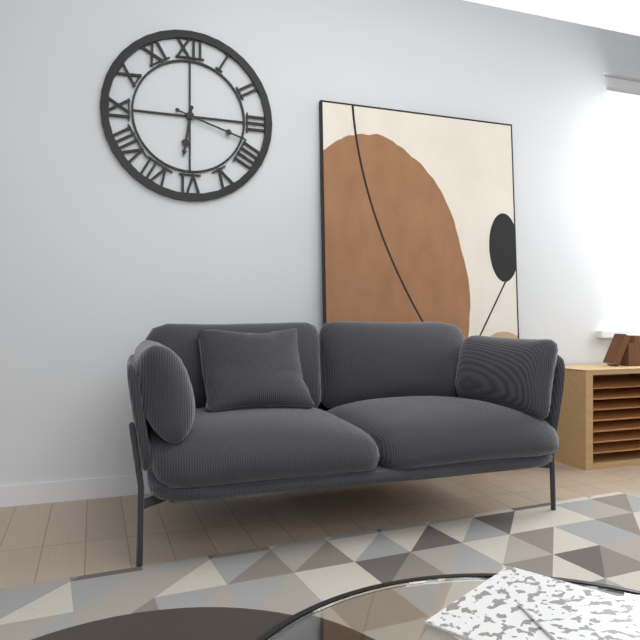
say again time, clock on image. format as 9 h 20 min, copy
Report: 6 h 18 min
